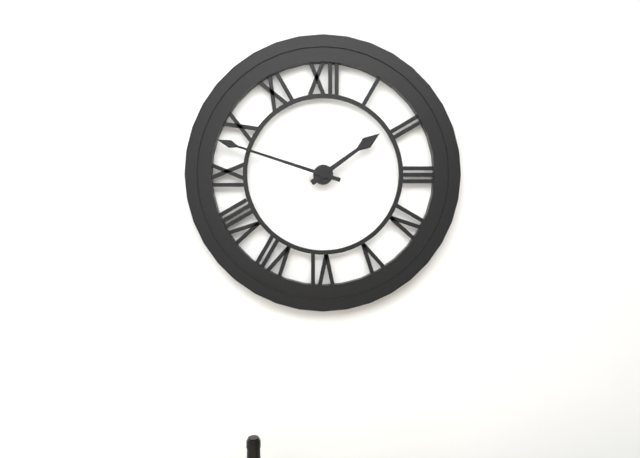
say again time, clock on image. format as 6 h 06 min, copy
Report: 1 h 48 min
